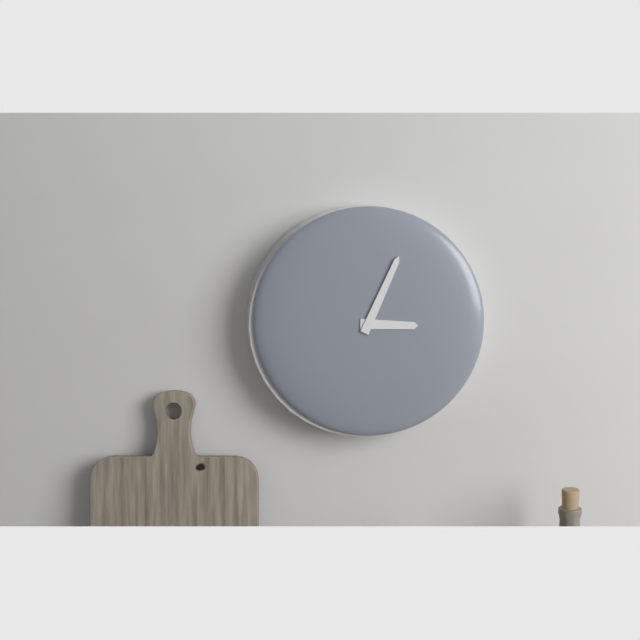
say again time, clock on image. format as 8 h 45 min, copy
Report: 3 h 04 min
